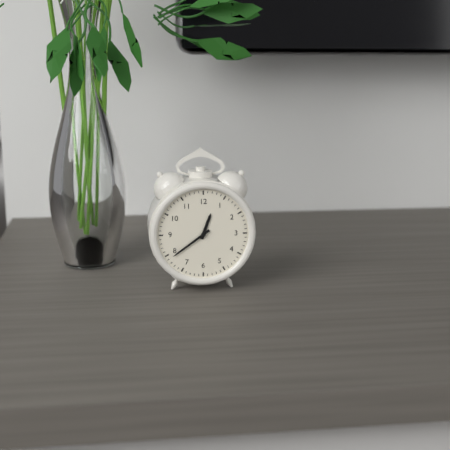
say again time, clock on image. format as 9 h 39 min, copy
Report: 12 h 39 min
